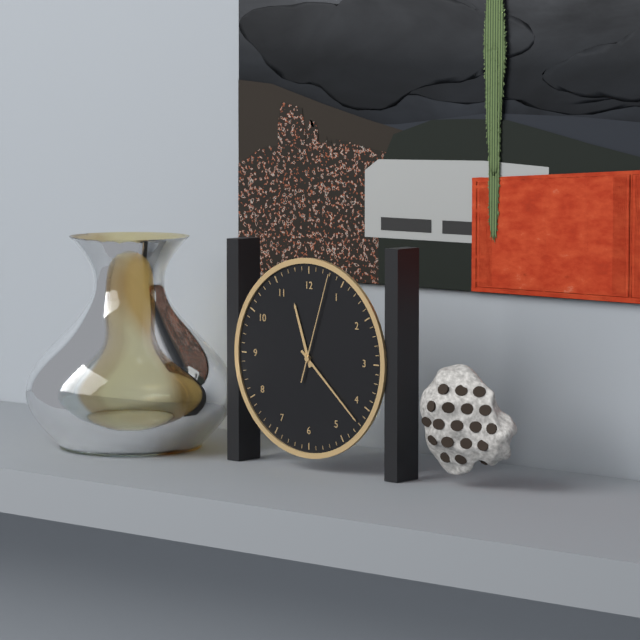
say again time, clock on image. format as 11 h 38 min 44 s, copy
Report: 11 h 22 min 03 s
